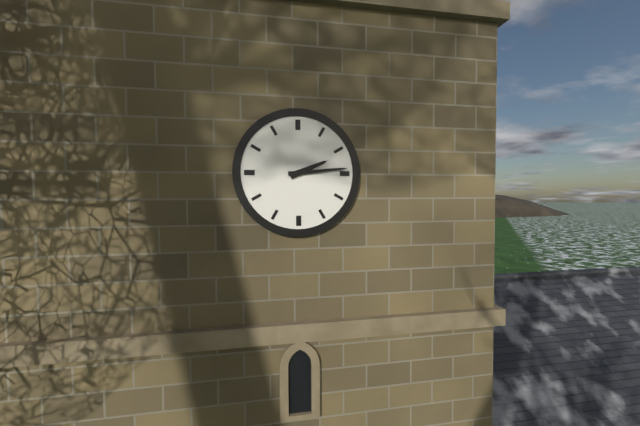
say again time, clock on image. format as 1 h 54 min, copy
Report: 2 h 14 min
